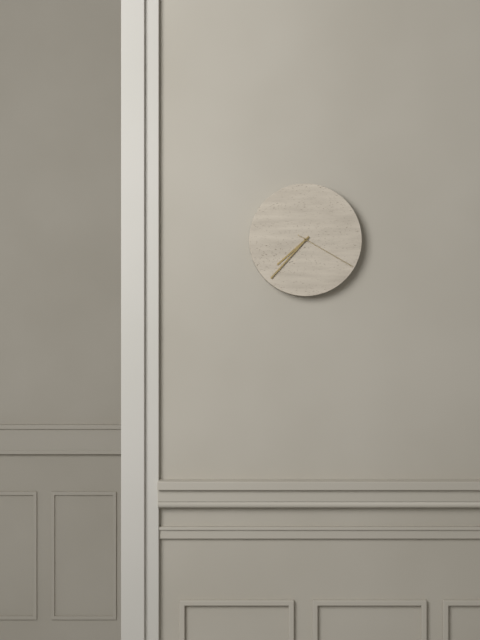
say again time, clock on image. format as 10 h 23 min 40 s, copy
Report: 7 h 37 min 20 s
